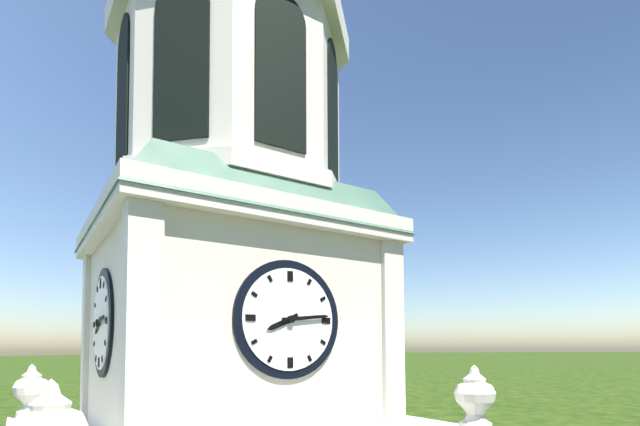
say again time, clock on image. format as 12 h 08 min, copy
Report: 8 h 14 min
